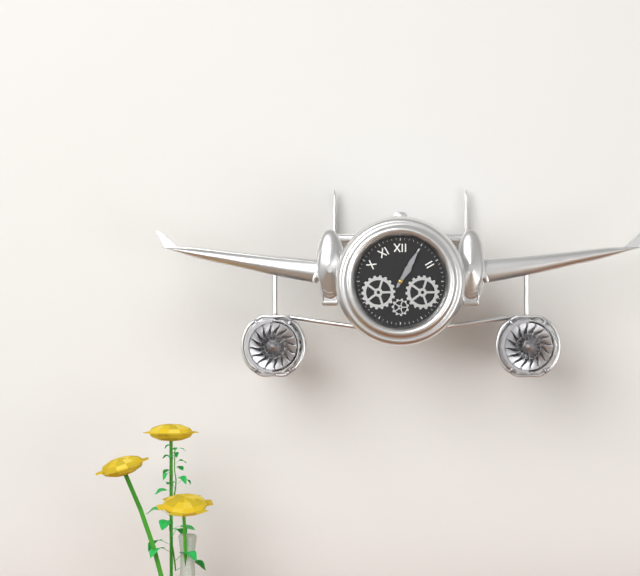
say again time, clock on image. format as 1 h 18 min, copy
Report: 1 h 05 min
